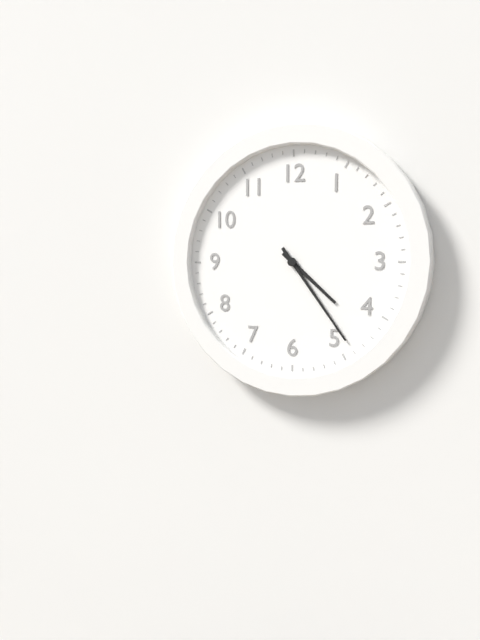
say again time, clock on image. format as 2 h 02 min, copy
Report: 4 h 24 min
